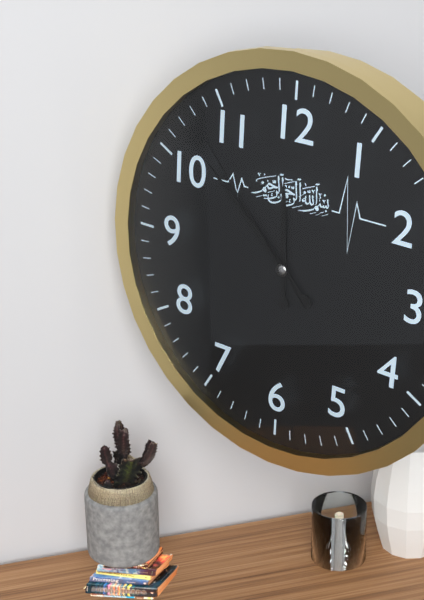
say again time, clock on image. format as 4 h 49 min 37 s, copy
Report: 11 h 52 min 53 s
